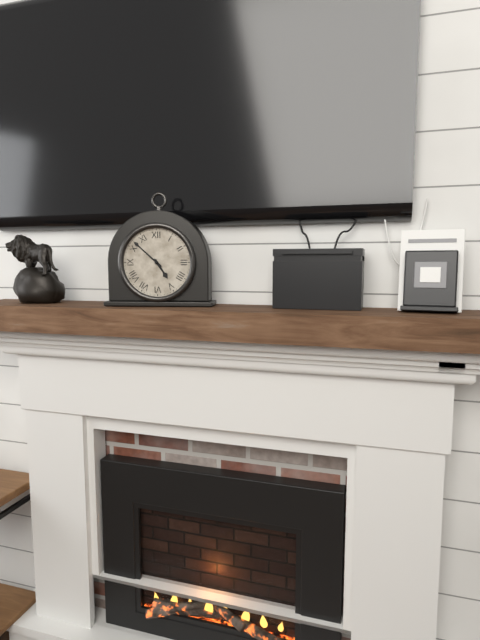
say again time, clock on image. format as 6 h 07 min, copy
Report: 4 h 52 min
